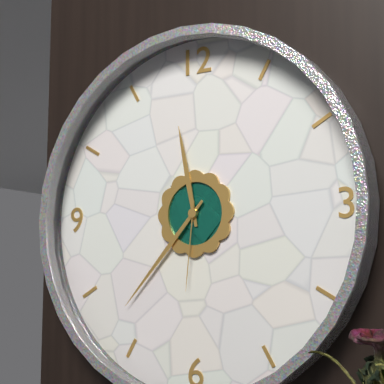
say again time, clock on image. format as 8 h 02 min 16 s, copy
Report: 11 h 37 min 31 s
